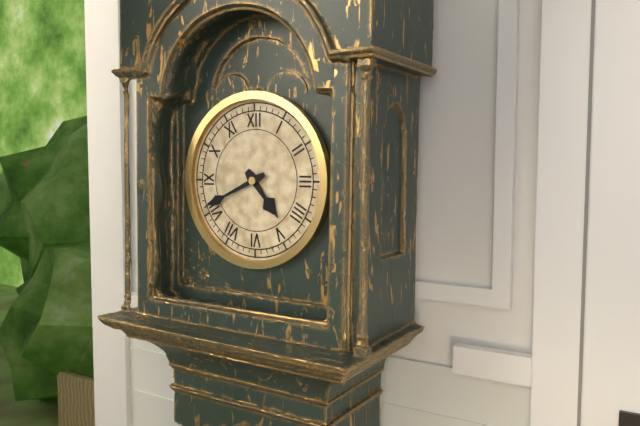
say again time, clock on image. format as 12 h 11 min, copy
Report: 4 h 41 min
